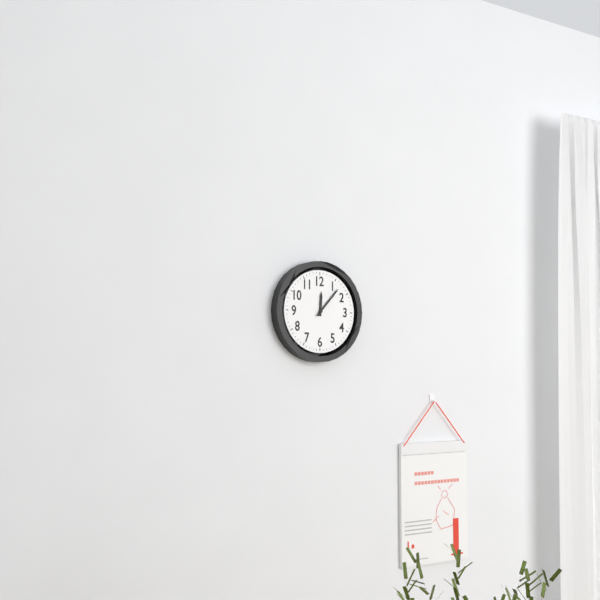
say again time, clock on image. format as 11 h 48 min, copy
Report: 12 h 07 min
